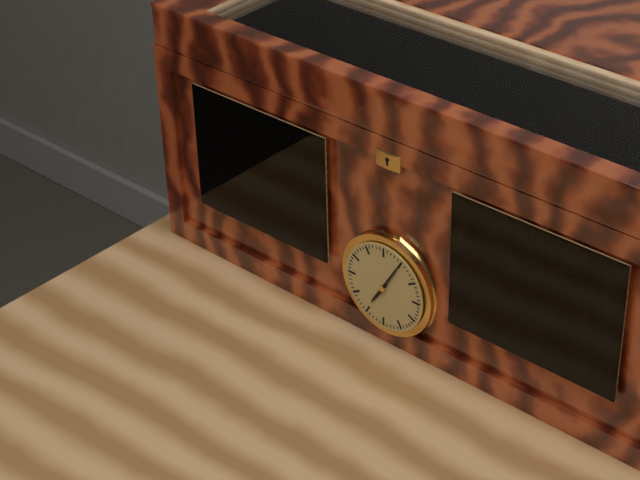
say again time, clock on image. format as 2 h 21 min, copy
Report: 7 h 05 min
